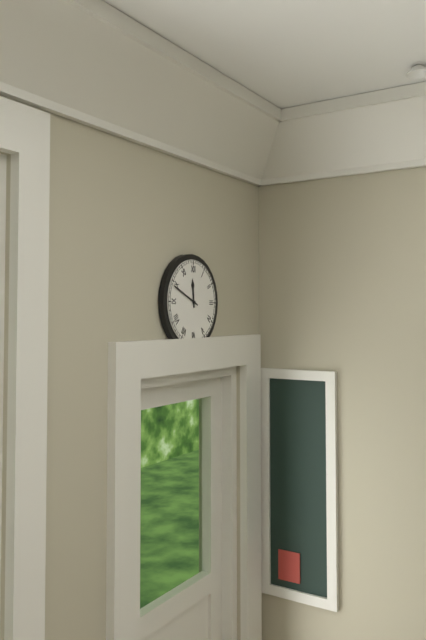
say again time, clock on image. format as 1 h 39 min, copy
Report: 11 h 49 min
